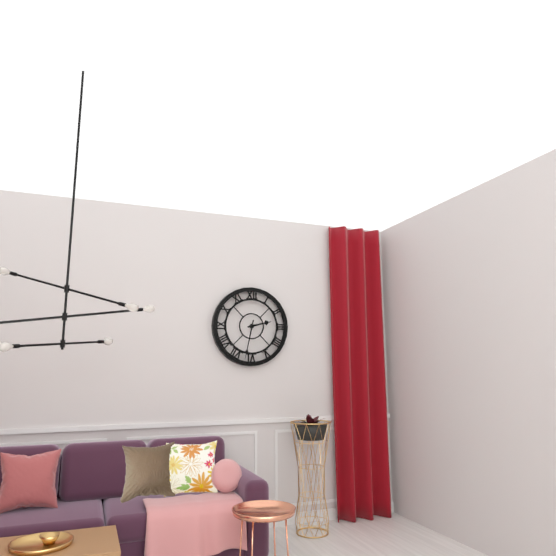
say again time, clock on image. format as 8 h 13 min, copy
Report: 2 h 32 min
